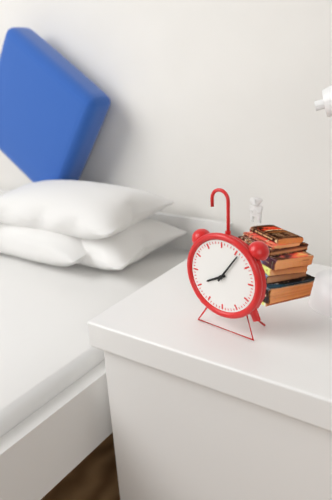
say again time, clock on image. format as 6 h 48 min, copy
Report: 8 h 06 min
